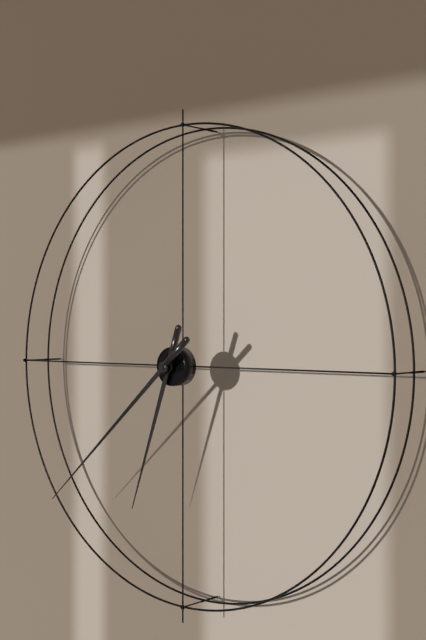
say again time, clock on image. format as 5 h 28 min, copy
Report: 6 h 38 min
